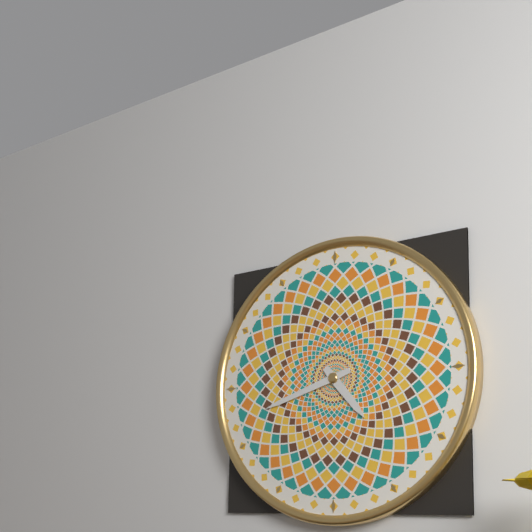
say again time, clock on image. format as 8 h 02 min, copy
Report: 4 h 42 min
